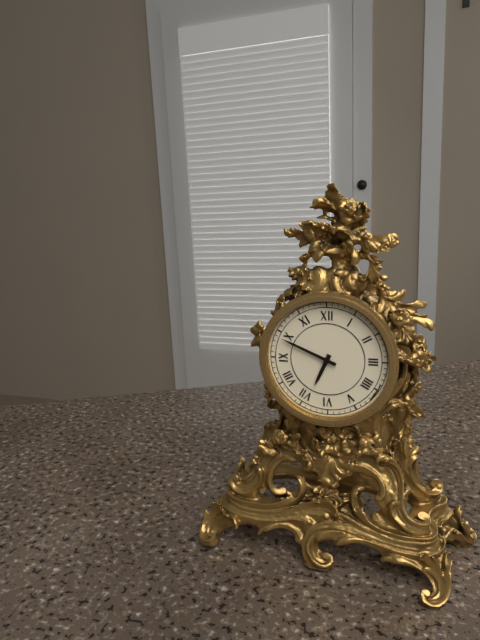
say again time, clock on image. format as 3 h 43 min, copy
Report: 6 h 49 min
